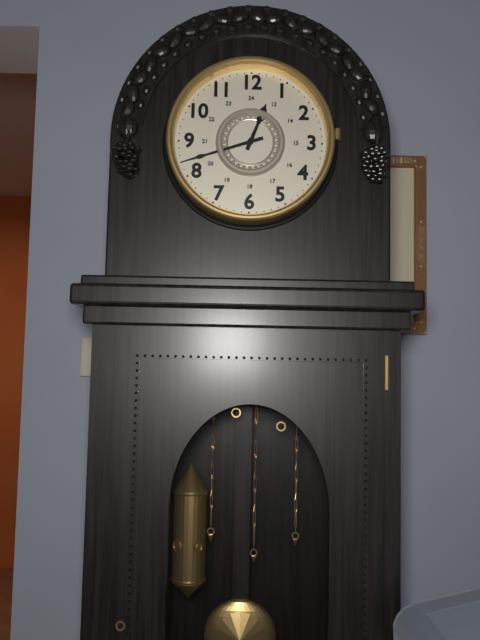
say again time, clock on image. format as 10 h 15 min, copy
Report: 12 h 42 min
